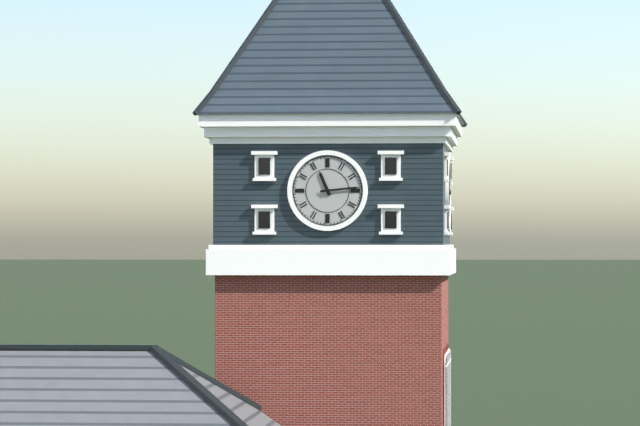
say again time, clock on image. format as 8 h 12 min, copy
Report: 11 h 14 min
